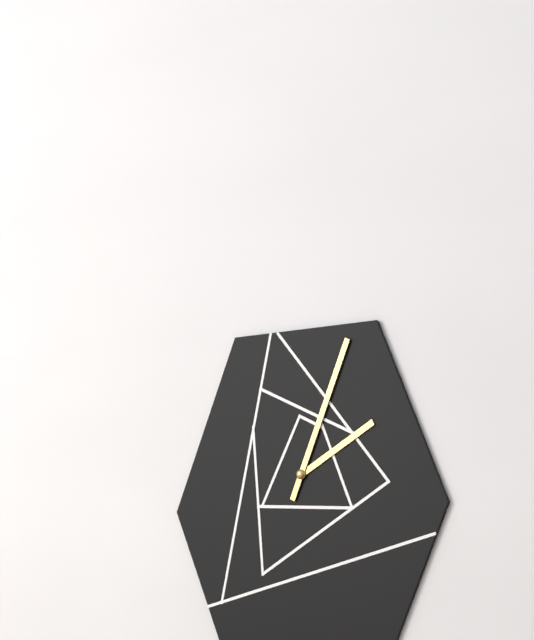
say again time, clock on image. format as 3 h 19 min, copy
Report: 2 h 04 min
